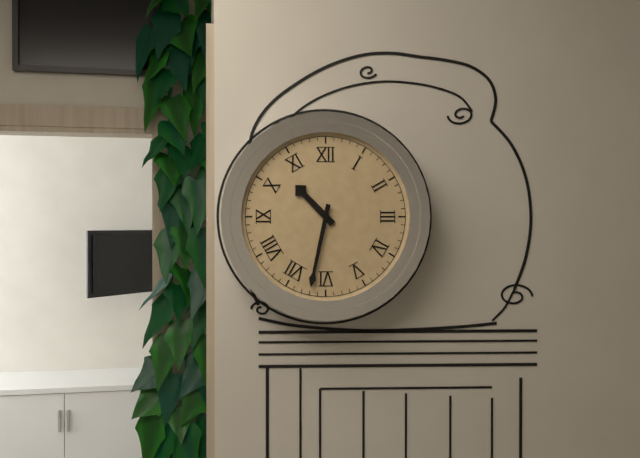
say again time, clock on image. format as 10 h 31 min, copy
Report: 10 h 32 min
